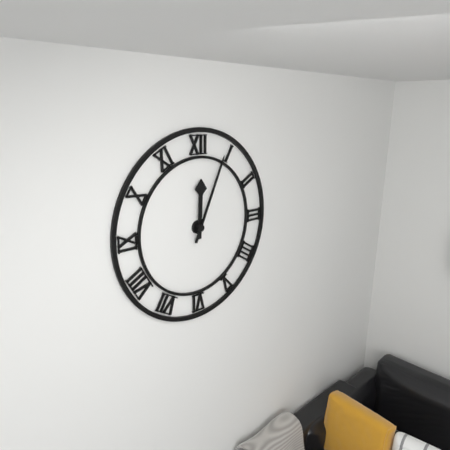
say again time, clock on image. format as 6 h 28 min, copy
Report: 12 h 04 min
